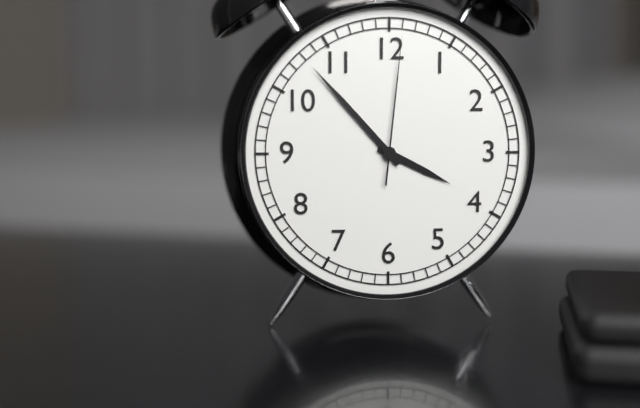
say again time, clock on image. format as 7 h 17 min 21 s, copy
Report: 3 h 53 min 01 s
